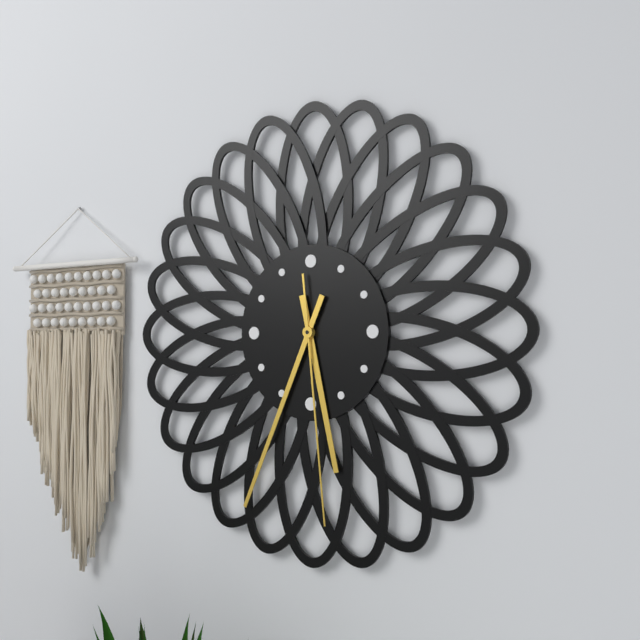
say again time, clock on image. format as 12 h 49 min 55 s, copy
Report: 5 h 34 min 29 s
